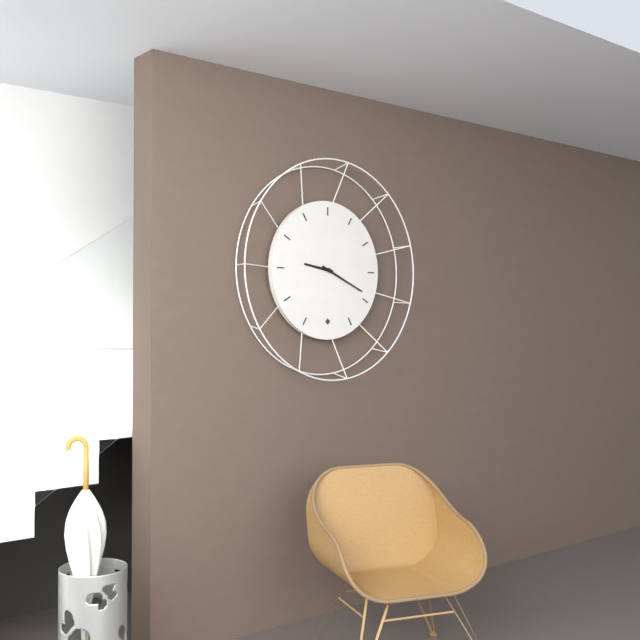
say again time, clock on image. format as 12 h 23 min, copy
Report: 9 h 19 min
